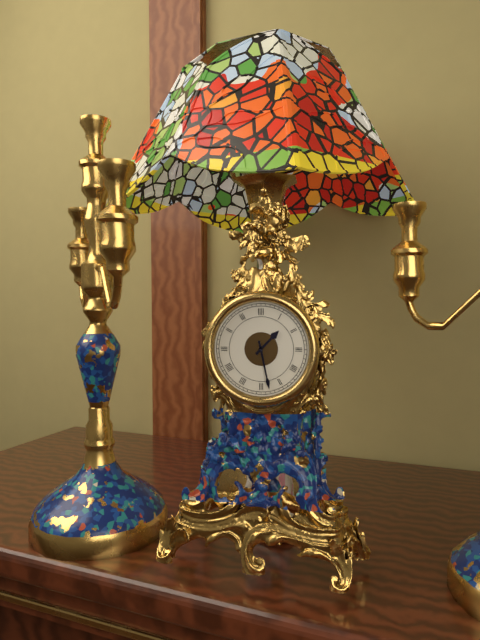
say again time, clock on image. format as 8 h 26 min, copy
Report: 1 h 28 min
